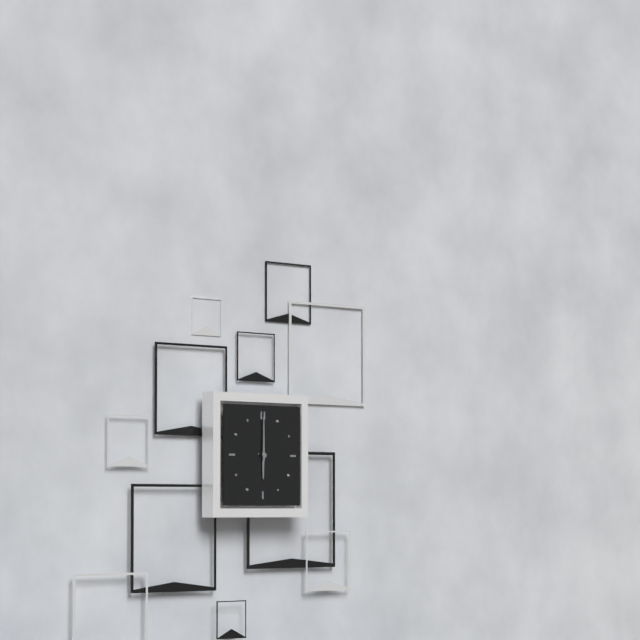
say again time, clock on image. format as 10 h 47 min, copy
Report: 6 h 00 min
